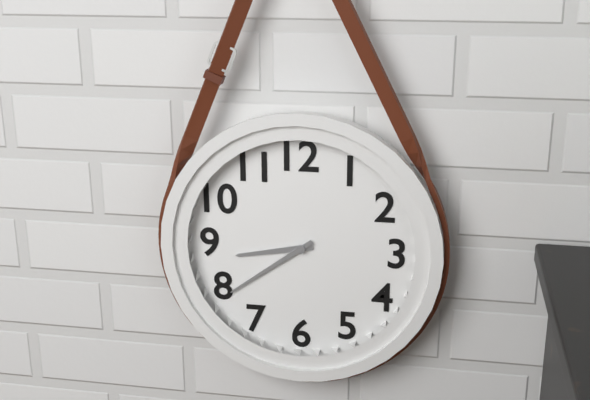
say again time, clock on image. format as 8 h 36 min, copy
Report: 8 h 39 min
